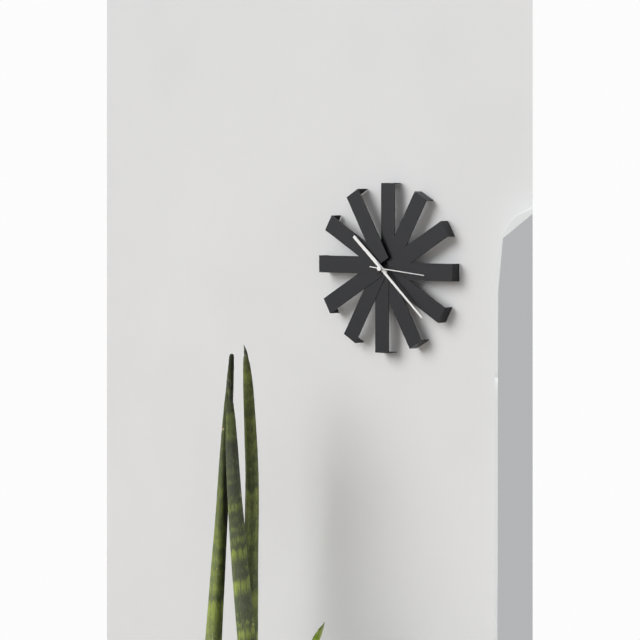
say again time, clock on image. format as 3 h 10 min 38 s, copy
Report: 10 h 22 min 16 s
